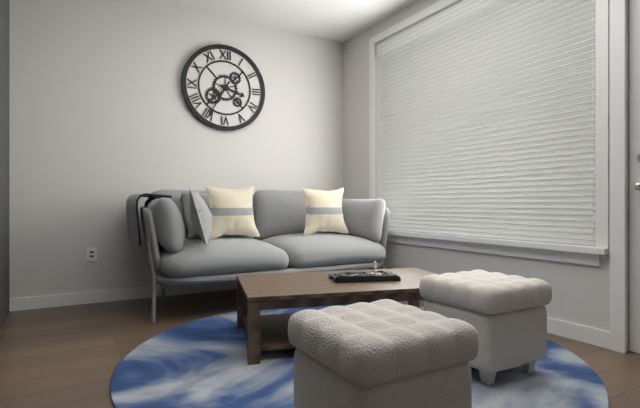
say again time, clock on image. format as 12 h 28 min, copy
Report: 3 h 35 min
